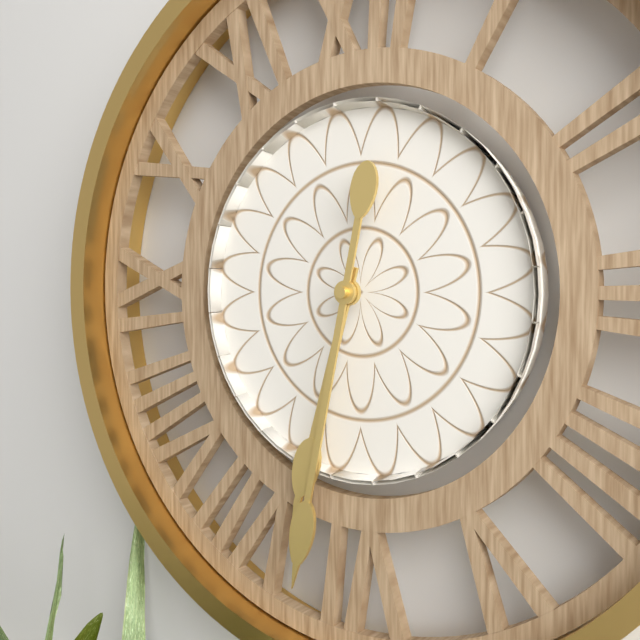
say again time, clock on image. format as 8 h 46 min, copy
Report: 6 h 32 min
